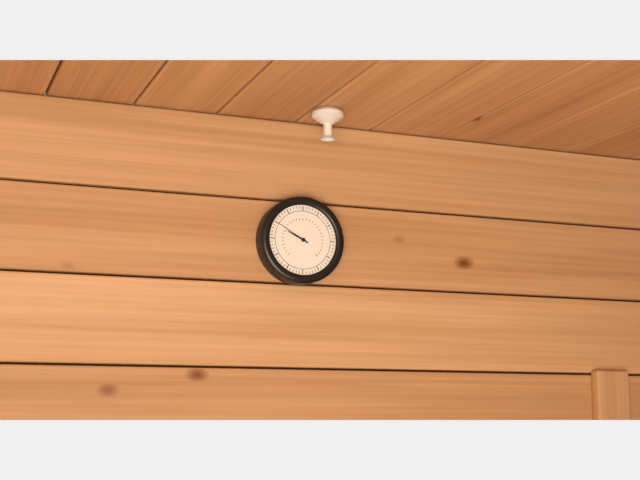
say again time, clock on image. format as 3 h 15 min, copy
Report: 9 h 50 min
